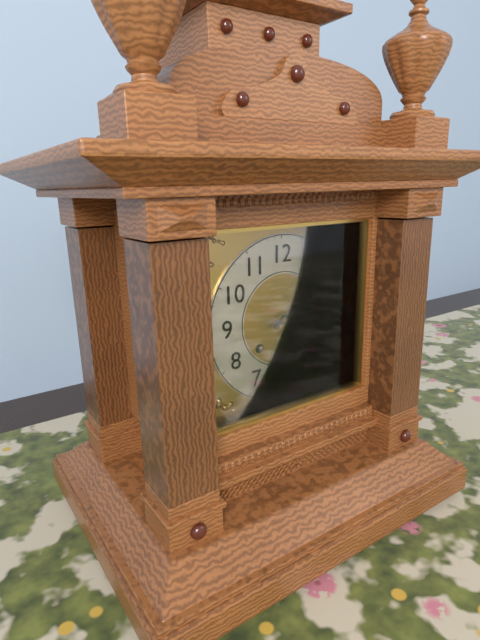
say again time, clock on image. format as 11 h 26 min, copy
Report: 2 h 11 min
